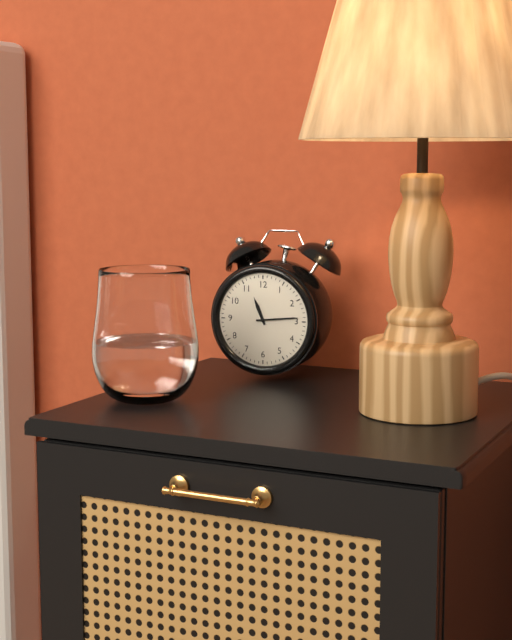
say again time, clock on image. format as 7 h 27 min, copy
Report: 11 h 14 min
